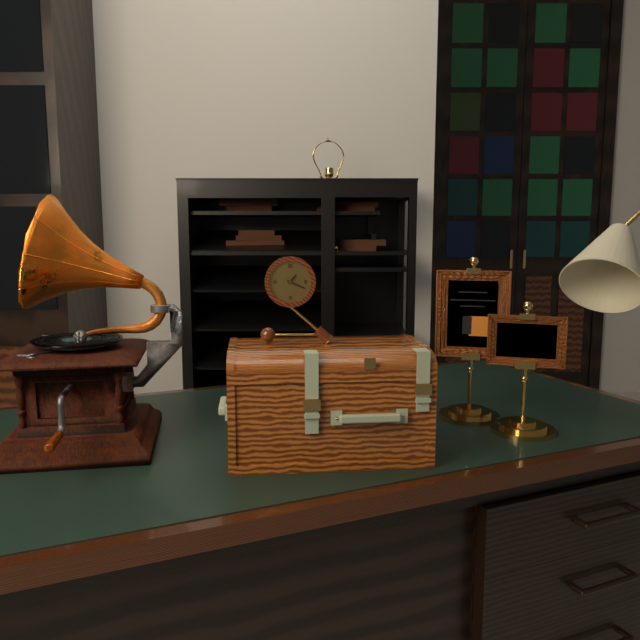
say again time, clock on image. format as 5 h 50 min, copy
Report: 1 h 19 min
